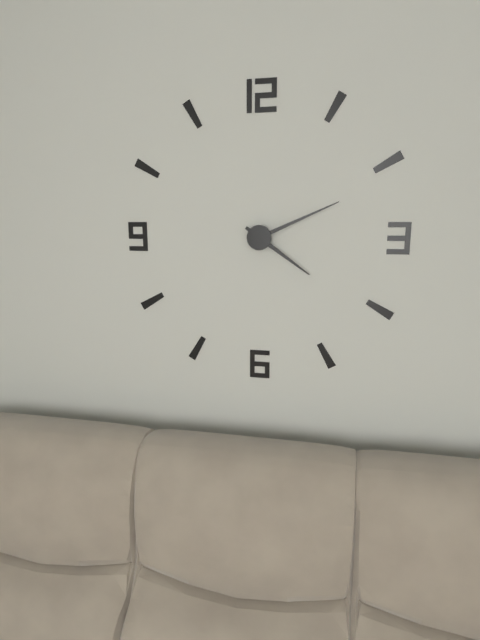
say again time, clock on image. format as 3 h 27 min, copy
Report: 4 h 11 min
